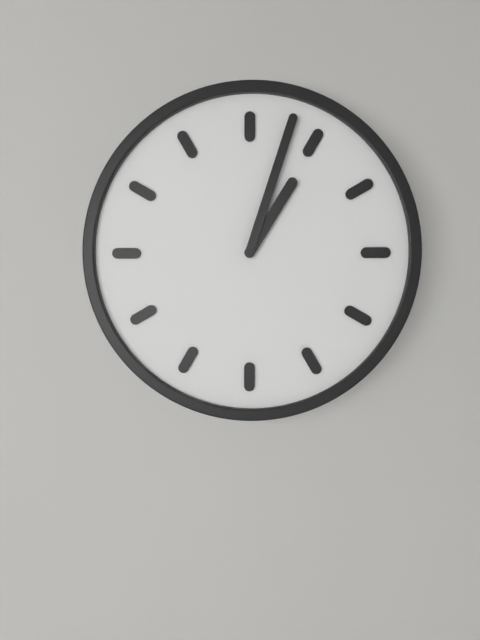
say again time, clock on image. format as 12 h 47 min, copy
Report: 1 h 03 min
